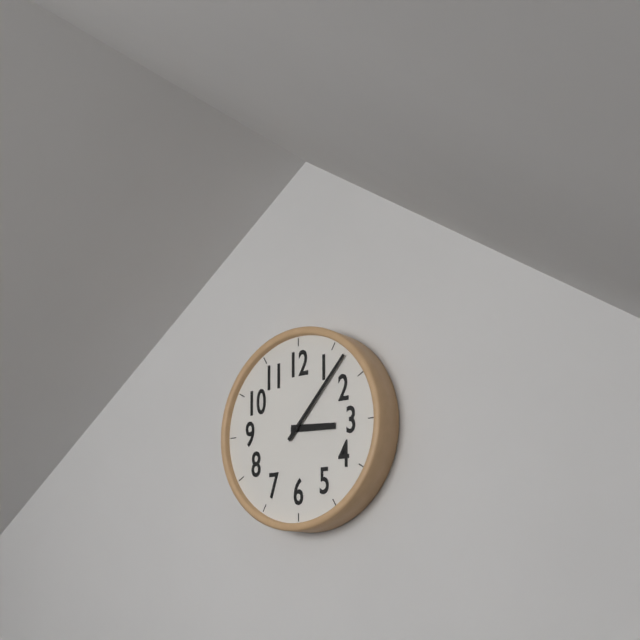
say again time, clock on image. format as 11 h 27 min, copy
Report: 3 h 07 min
